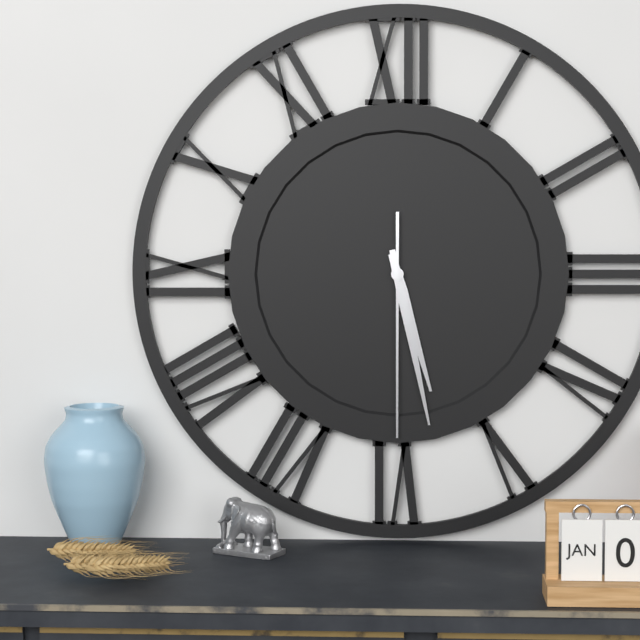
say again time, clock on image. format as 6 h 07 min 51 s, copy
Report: 5 h 28 min 30 s
